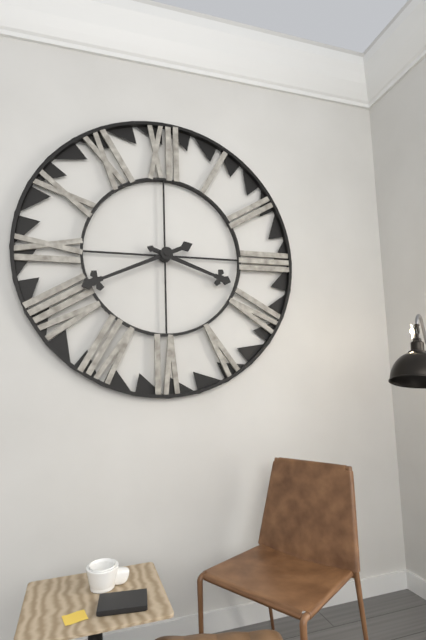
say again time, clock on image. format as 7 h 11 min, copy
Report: 3 h 41 min
